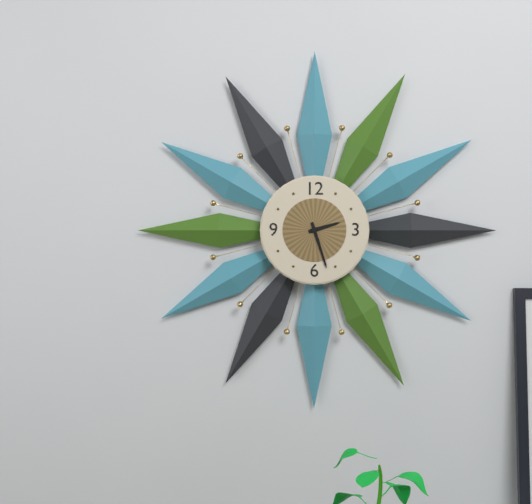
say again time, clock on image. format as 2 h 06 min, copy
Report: 2 h 27 min
